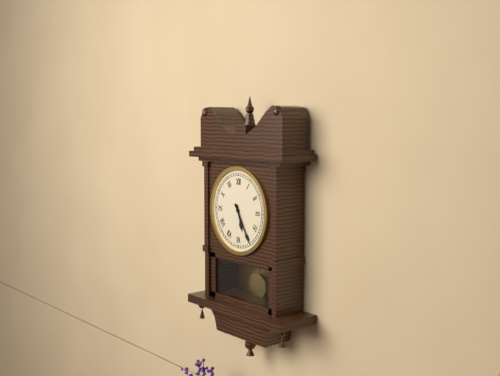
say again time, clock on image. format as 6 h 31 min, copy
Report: 5 h 25 min
